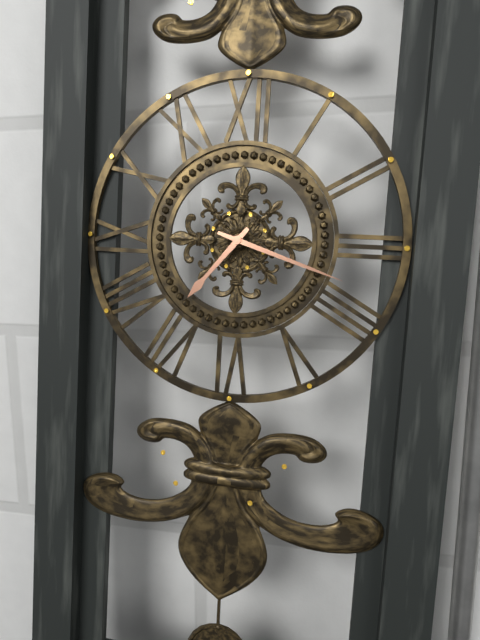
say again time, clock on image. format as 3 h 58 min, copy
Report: 7 h 18 min
